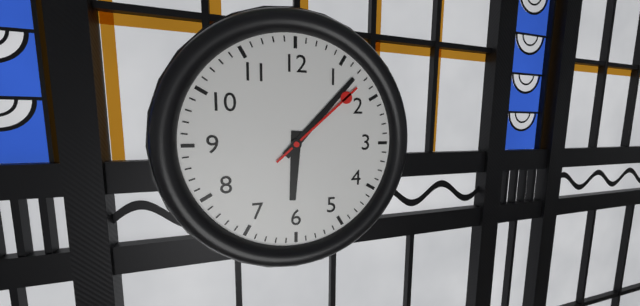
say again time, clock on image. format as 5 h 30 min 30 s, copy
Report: 6 h 07 min 08 s
